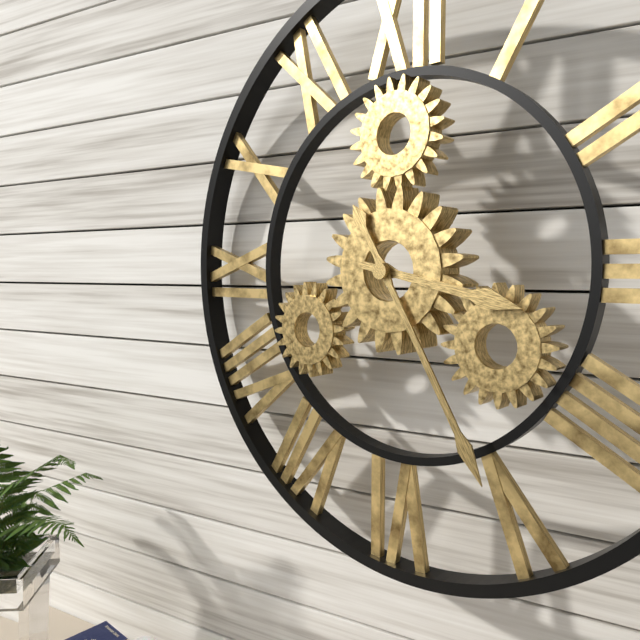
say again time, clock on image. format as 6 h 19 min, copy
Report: 3 h 25 min
